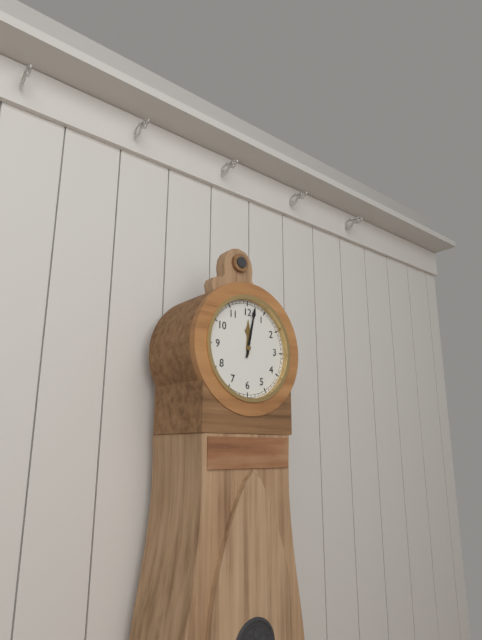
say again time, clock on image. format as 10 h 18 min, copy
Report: 12 h 02 min
